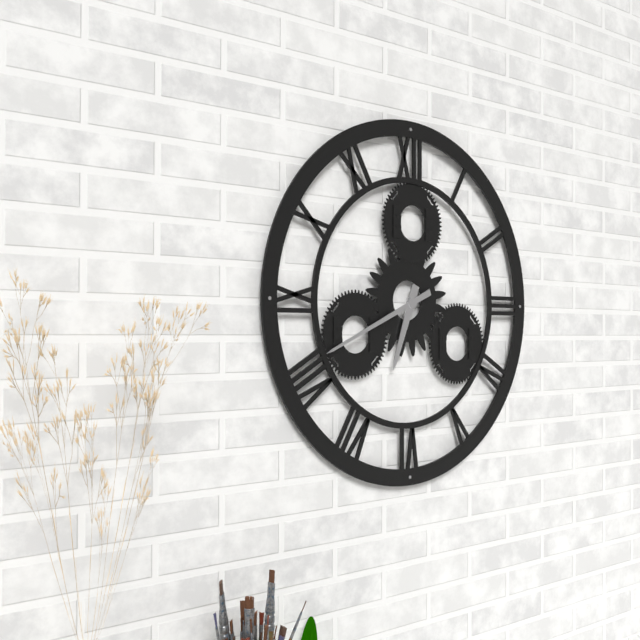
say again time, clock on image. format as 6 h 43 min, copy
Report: 6 h 41 min
